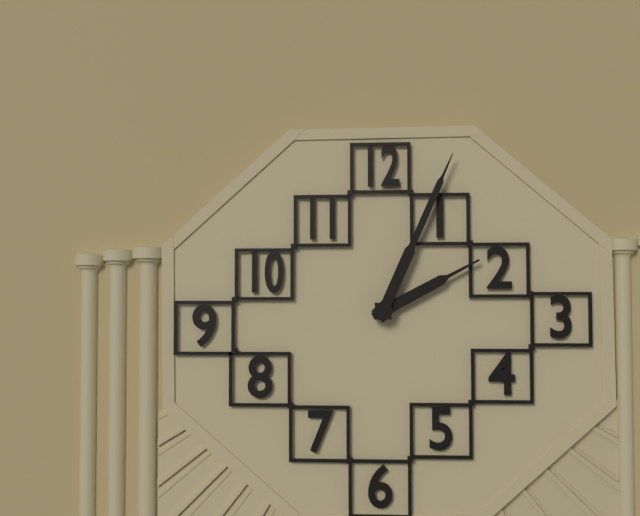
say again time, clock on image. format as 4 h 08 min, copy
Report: 2 h 04 min
